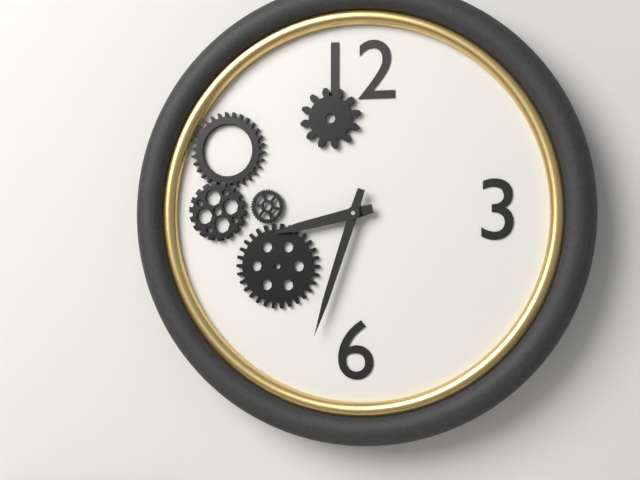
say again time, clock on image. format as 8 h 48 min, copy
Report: 8 h 33 min
